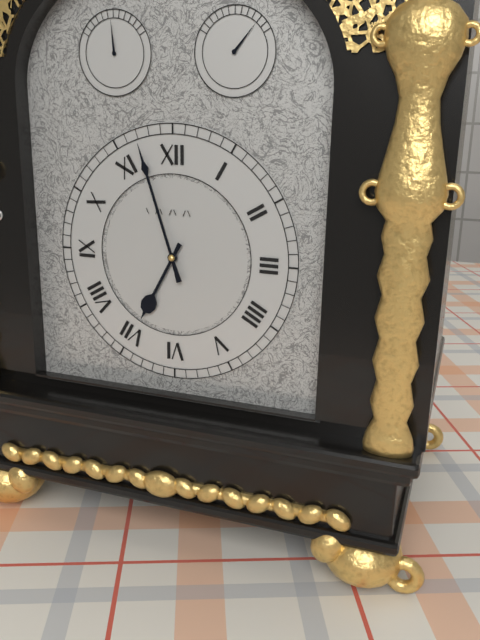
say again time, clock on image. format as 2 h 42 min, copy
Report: 6 h 57 min
